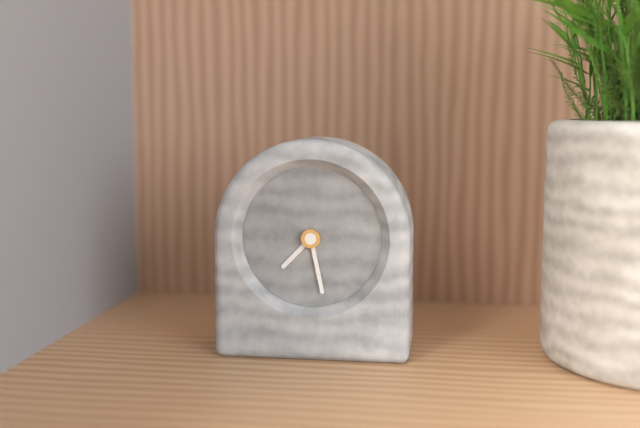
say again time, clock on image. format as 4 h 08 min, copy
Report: 7 h 28 min
